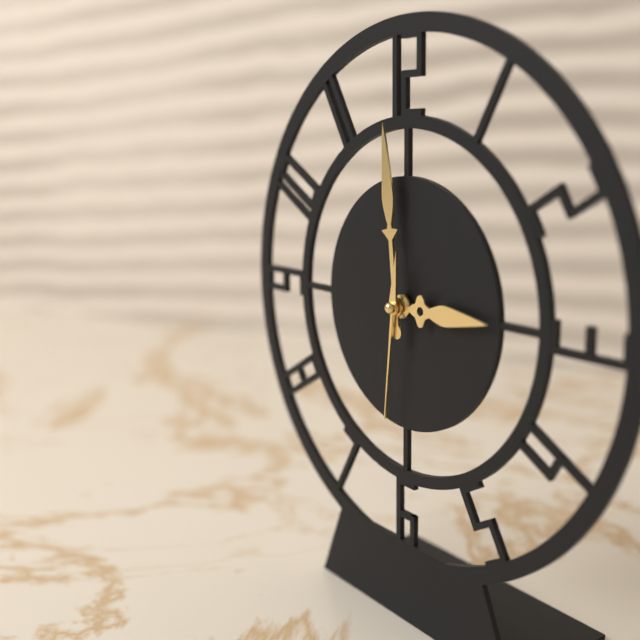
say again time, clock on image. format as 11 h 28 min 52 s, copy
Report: 2 h 59 min 31 s
